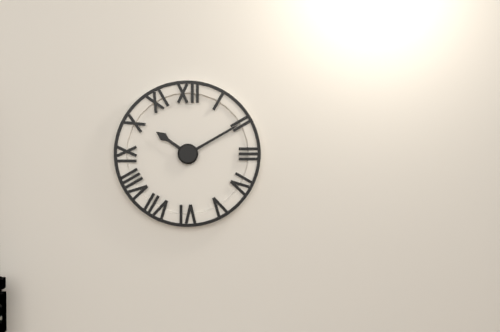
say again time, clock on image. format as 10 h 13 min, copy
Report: 10 h 10 min
